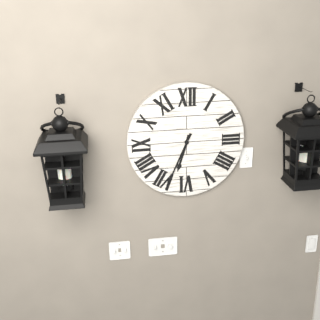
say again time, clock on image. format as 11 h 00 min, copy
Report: 6 h 34 min
